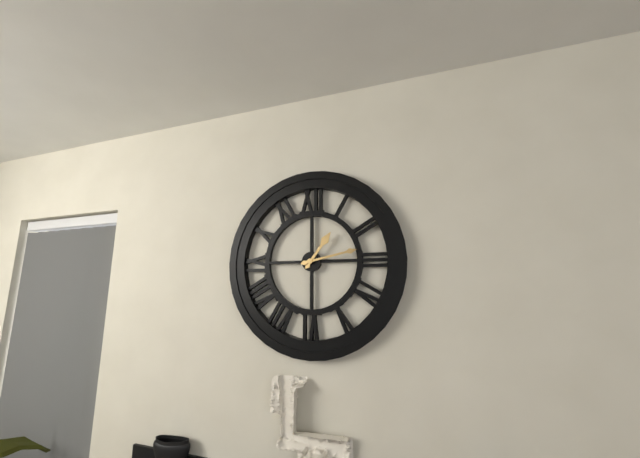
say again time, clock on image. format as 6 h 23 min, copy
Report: 1 h 13 min
